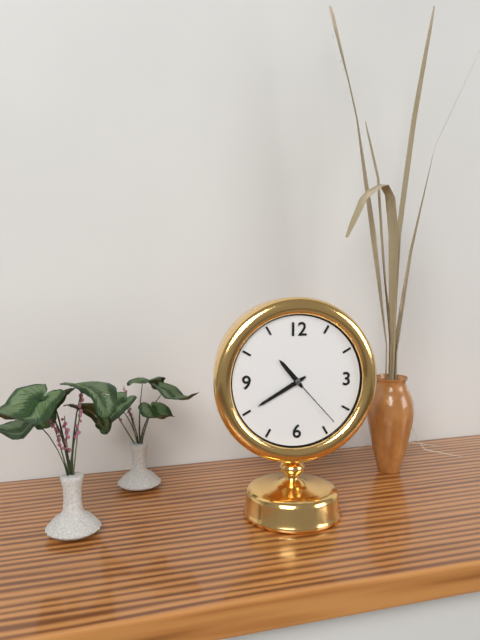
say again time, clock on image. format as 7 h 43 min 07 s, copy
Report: 10 h 40 min 23 s
